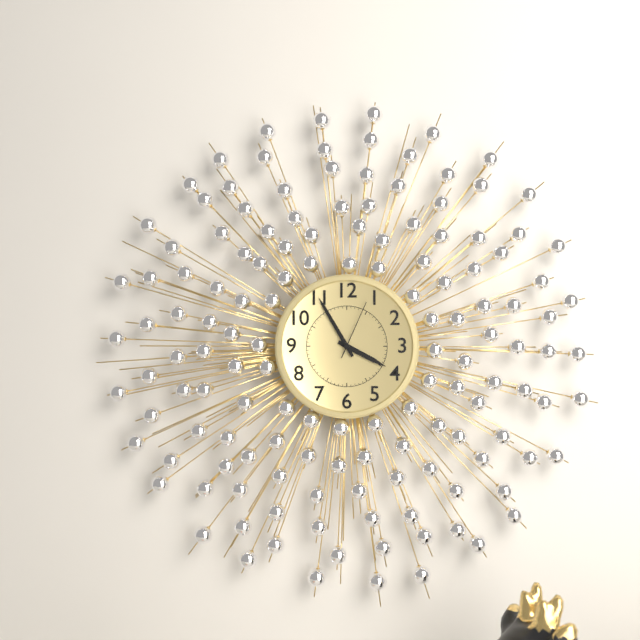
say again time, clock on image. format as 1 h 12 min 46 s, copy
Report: 3 h 55 min 04 s
